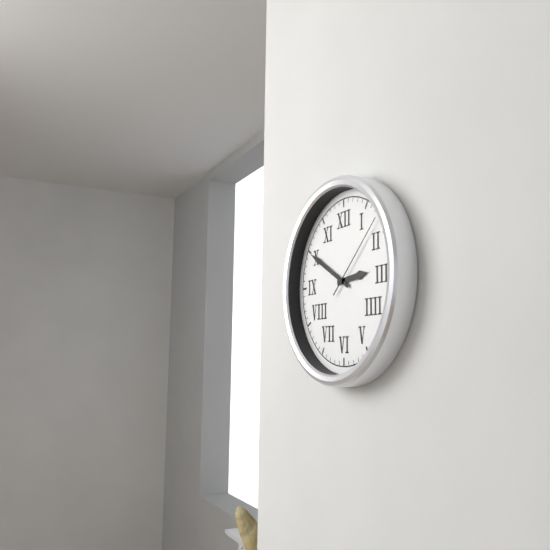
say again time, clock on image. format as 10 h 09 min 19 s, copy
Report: 2 h 50 min 08 s
